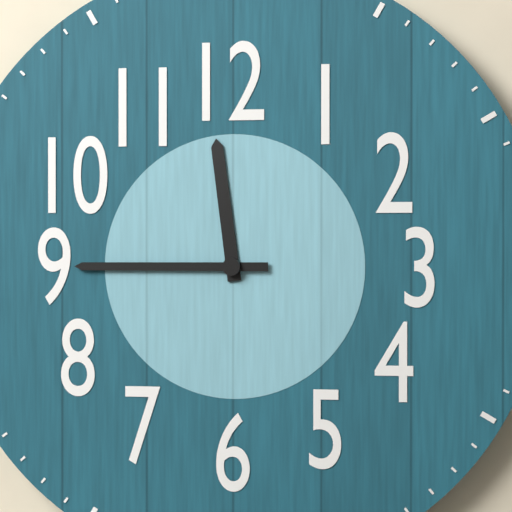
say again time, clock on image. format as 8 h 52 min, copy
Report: 11 h 45 min
